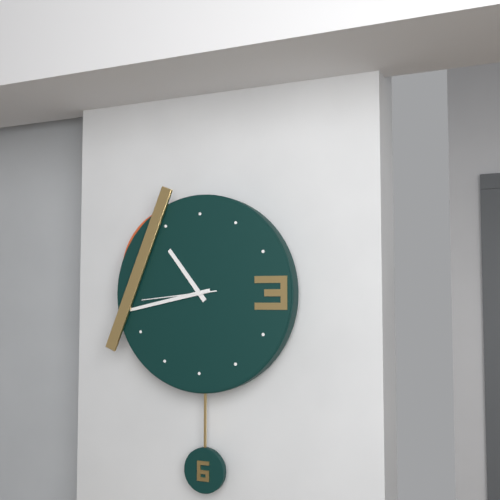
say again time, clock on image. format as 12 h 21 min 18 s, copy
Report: 10 h 43 min 44 s
